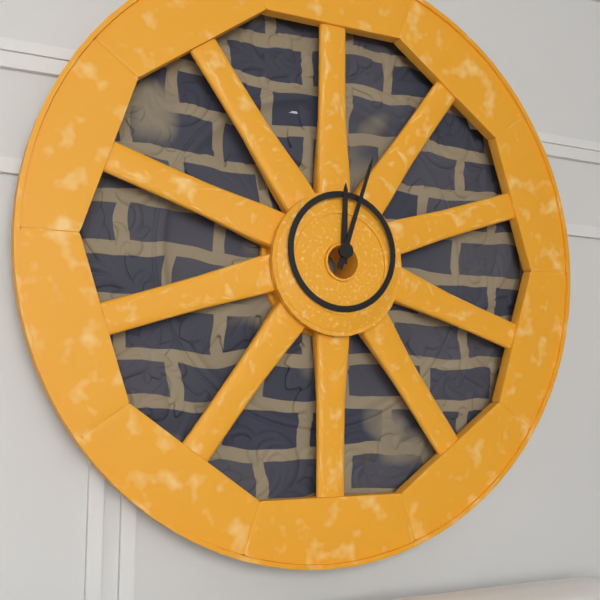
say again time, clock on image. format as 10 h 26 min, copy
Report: 12 h 03 min
